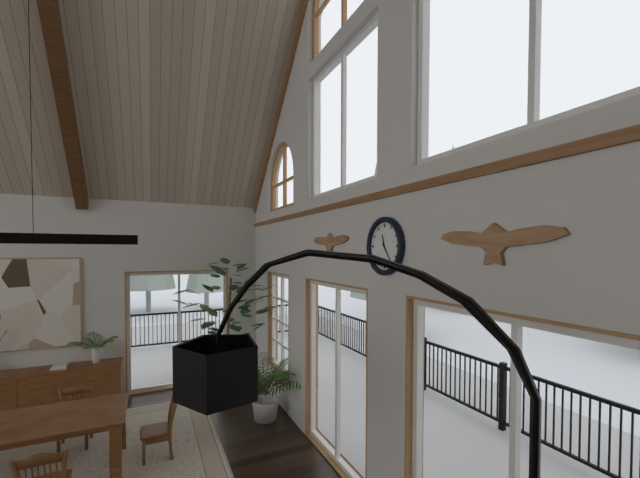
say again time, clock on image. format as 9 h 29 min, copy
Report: 11 h 24 min
